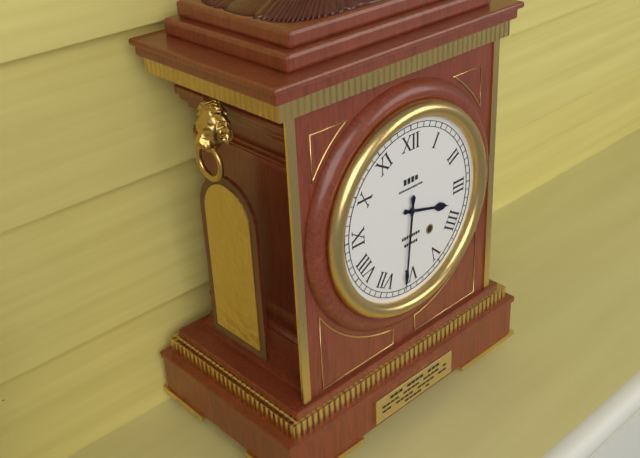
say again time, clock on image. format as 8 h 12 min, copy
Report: 3 h 31 min
